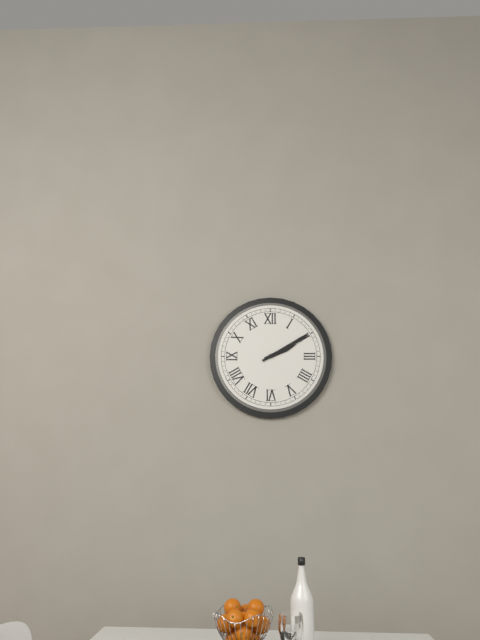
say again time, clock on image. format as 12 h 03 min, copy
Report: 2 h 10 min
